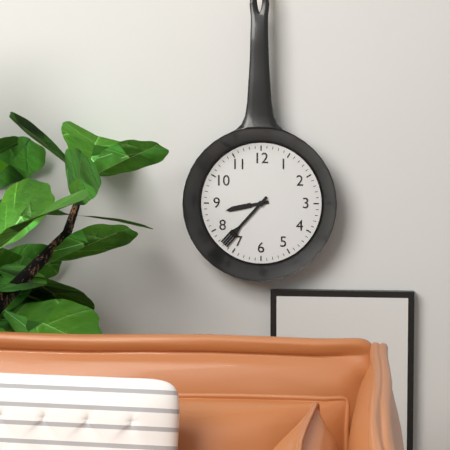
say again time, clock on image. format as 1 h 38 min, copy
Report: 8 h 37 min
